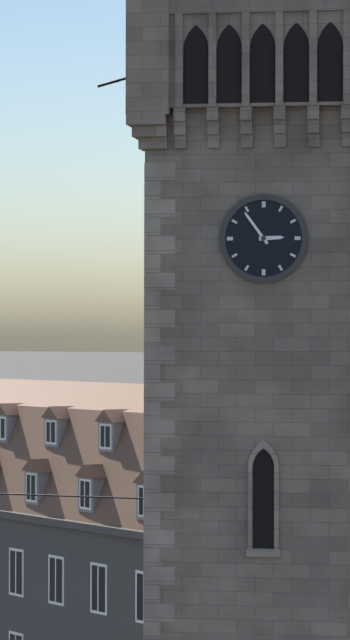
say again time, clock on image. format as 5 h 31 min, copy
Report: 2 h 54 min
